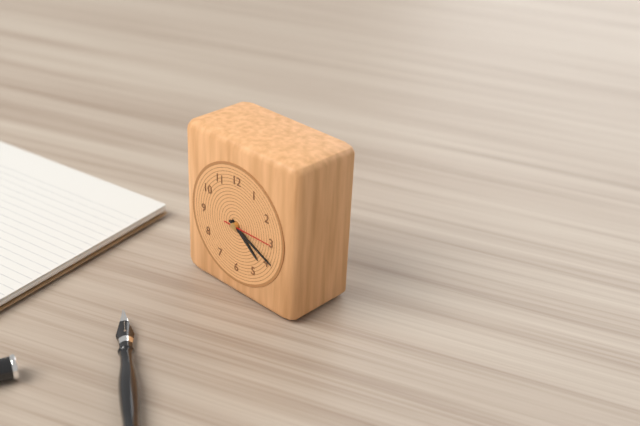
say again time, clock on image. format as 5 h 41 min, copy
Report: 4 h 19 min
